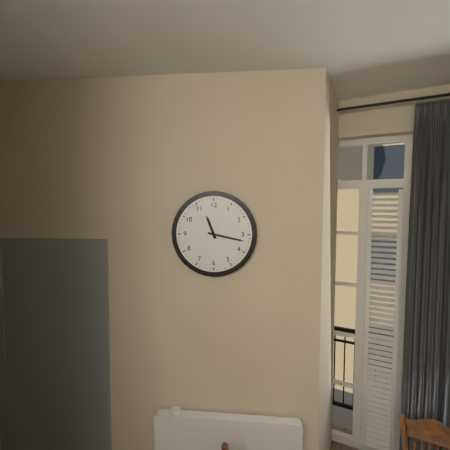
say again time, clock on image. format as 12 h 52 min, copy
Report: 11 h 17 min
